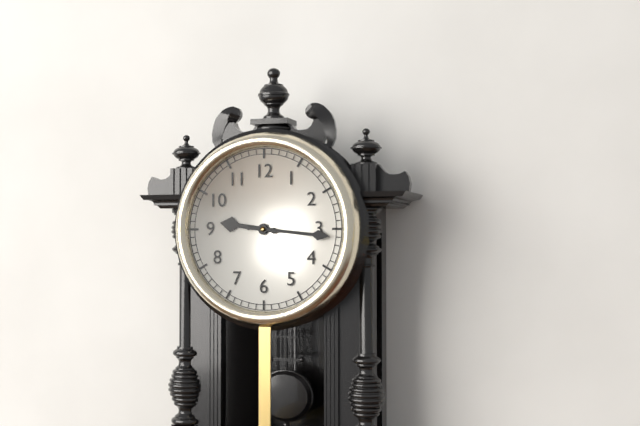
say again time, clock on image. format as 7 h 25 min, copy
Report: 9 h 16 min
